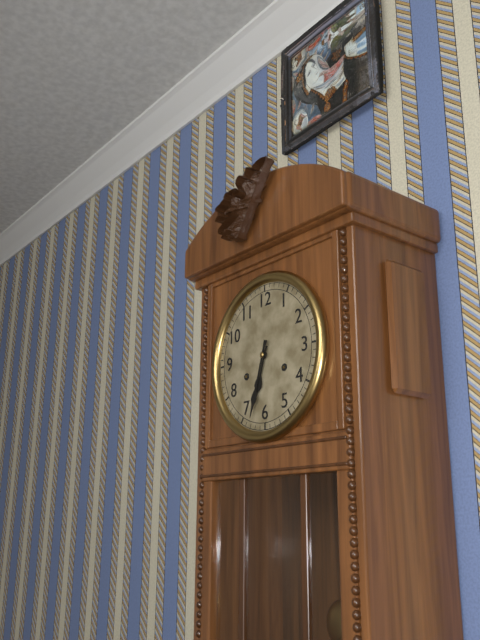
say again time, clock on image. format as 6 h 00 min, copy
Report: 6 h 33 min
